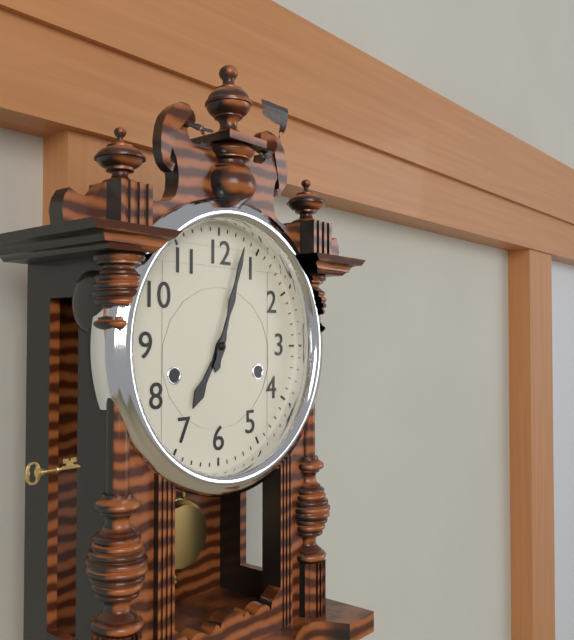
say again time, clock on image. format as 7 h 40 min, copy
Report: 7 h 03 min
